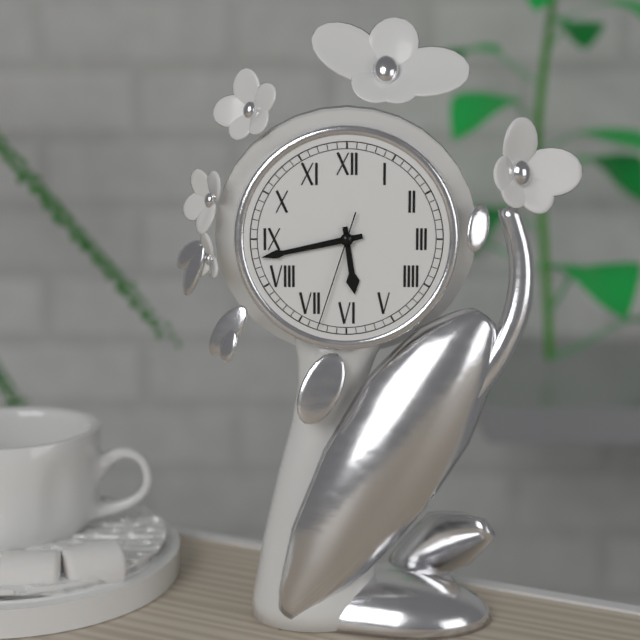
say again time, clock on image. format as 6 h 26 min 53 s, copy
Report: 5 h 43 min 33 s
